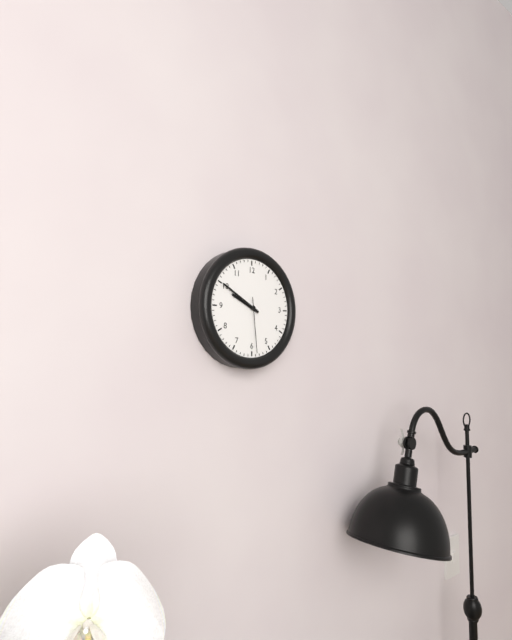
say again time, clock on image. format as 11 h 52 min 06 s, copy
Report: 9 h 50 min 29 s
